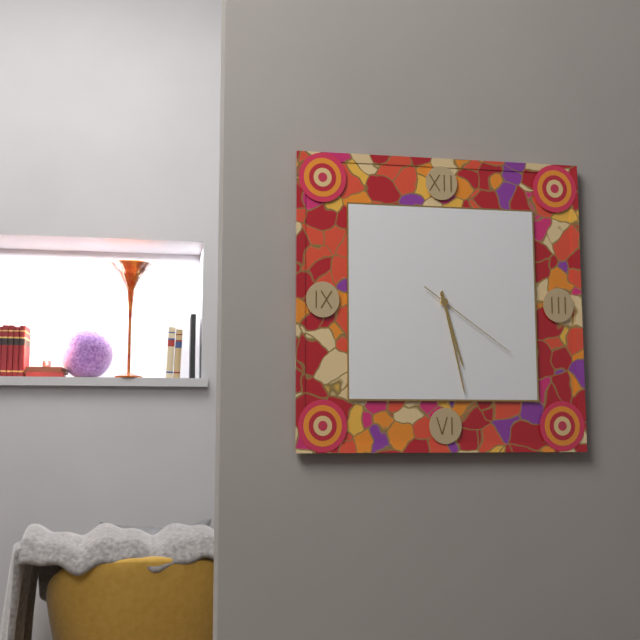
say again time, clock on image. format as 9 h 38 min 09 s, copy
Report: 5 h 28 min 21 s
